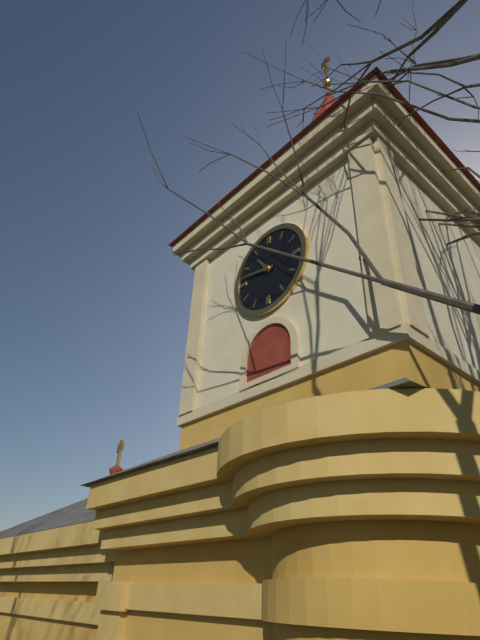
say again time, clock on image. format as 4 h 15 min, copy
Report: 10 h 47 min
